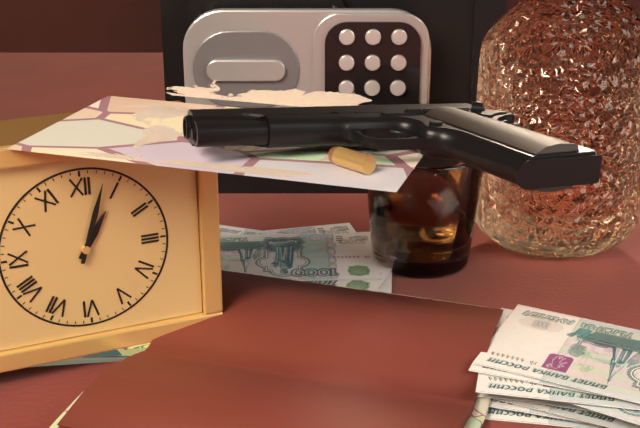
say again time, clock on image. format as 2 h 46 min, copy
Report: 1 h 03 min
